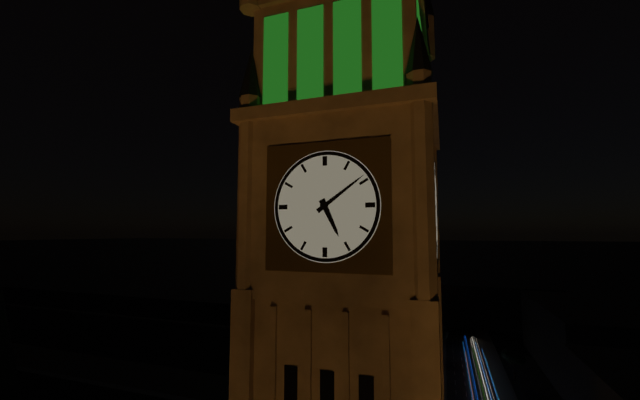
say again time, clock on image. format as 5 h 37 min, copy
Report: 5 h 09 min
